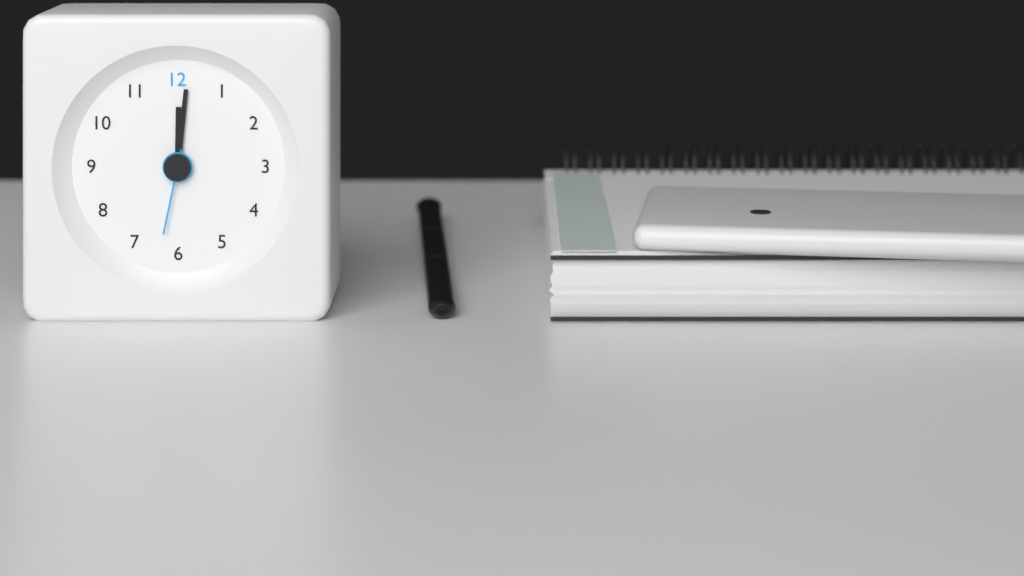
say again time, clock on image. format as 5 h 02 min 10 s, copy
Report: 12 h 01 min 32 s
